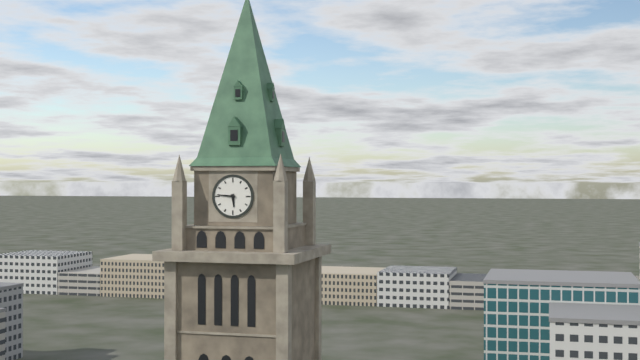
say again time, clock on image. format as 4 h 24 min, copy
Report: 5 h 46 min
